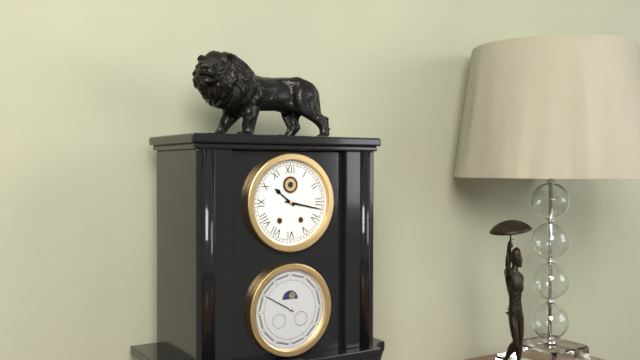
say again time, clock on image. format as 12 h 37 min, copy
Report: 10 h 17 min
